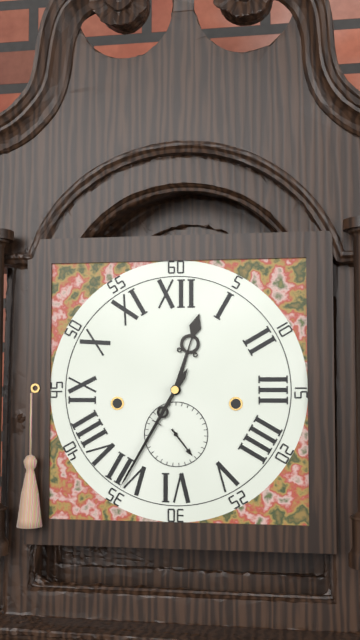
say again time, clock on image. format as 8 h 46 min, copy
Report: 12 h 35 min
